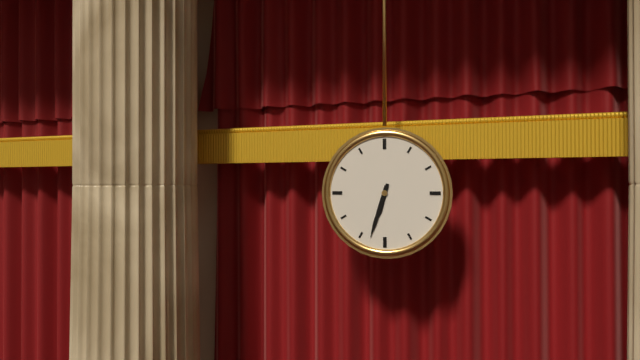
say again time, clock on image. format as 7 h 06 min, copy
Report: 6 h 33 min
